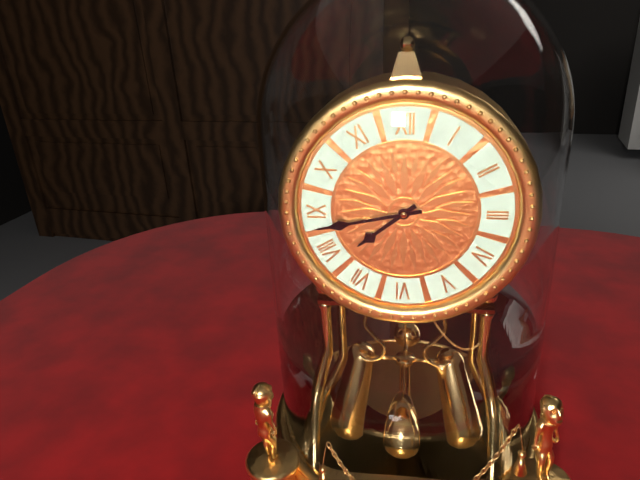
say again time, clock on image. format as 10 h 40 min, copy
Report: 7 h 43 min
